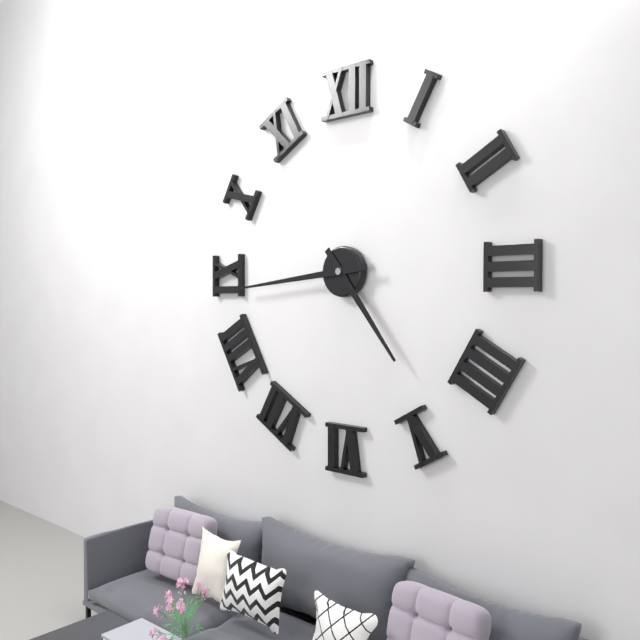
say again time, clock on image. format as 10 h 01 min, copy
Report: 4 h 44 min
